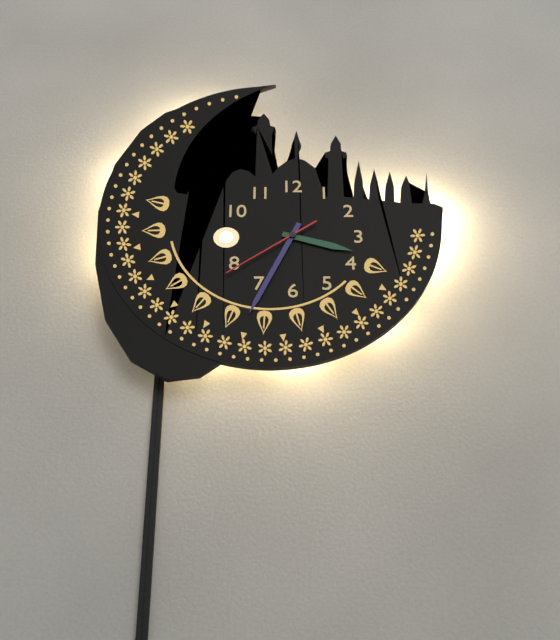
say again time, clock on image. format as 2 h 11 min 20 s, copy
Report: 3 h 34 min 39 s
